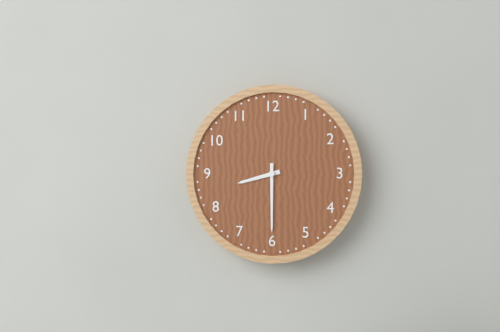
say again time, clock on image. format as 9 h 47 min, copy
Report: 8 h 30 min
